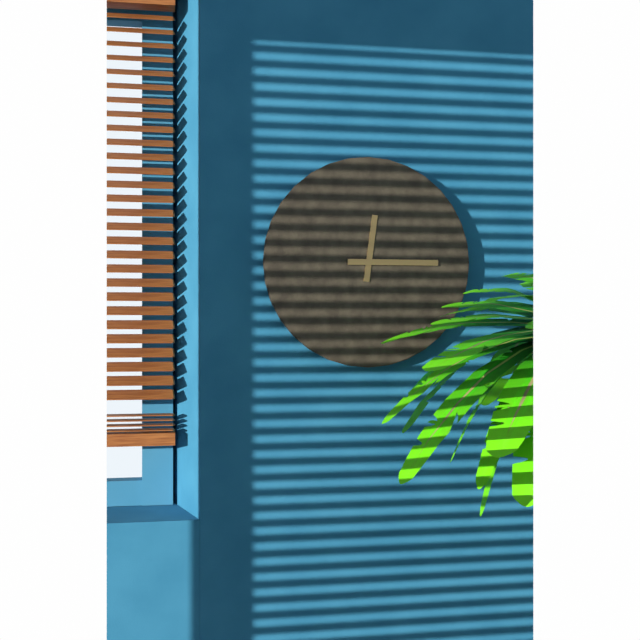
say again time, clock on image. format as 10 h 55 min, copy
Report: 12 h 15 min
